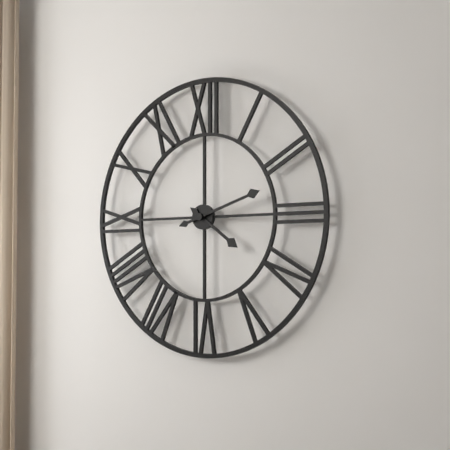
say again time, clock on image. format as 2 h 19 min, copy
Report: 4 h 12 min
